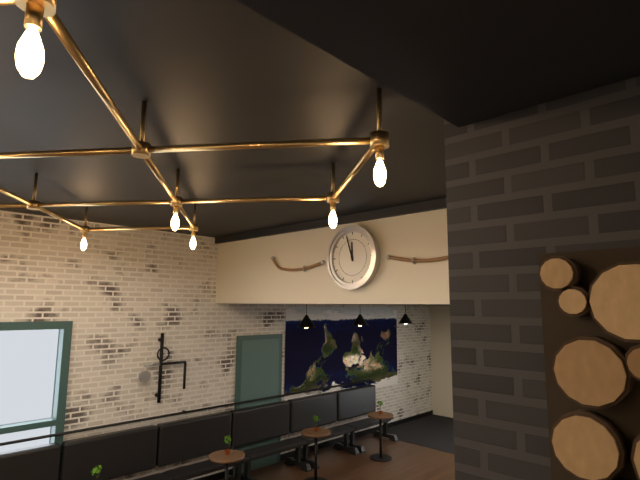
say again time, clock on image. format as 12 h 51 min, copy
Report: 11 h 57 min
